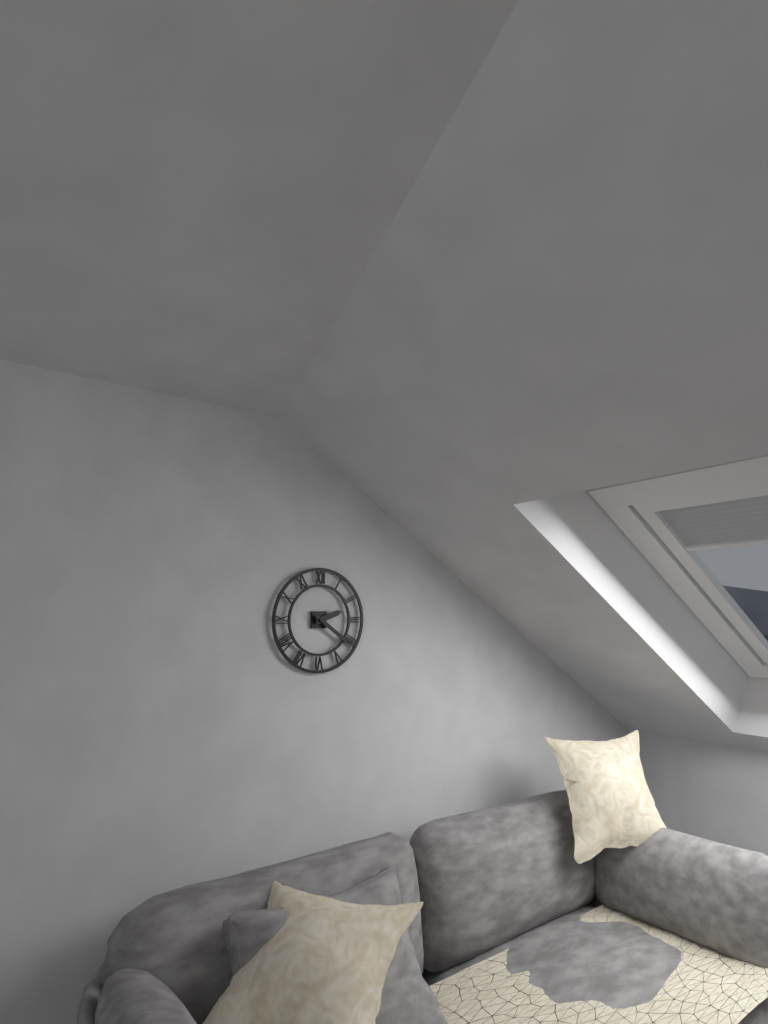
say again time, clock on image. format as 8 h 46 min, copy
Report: 2 h 21 min
